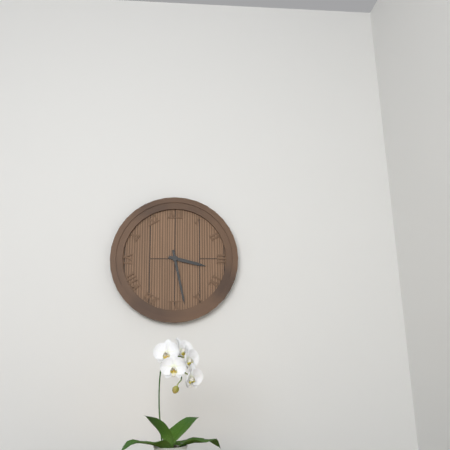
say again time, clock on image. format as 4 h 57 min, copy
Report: 3 h 28 min
